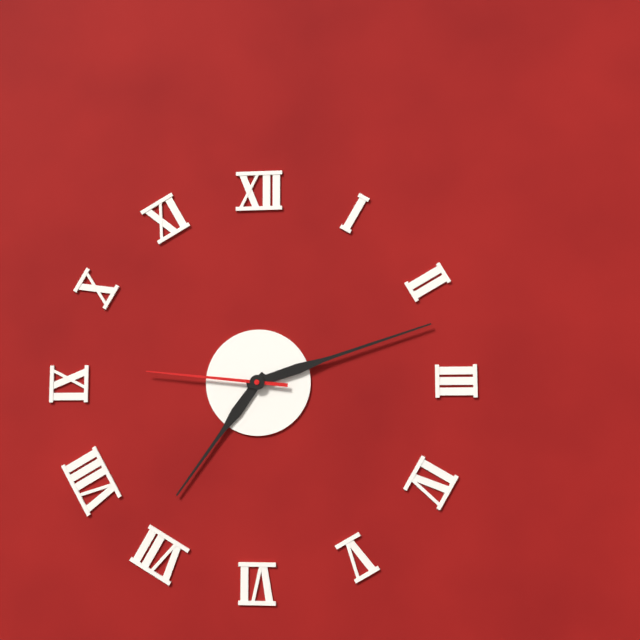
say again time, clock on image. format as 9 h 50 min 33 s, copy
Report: 7 h 12 min 46 s
